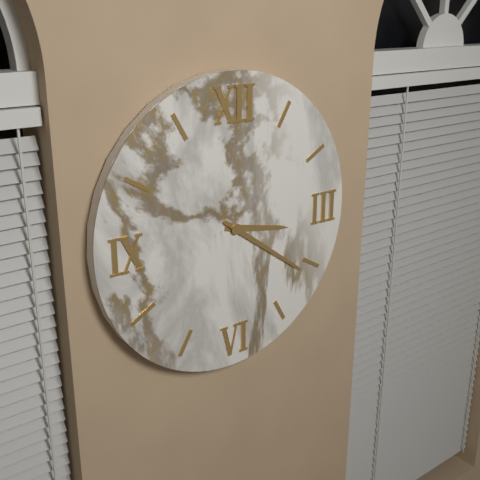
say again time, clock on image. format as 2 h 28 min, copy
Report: 3 h 21 min
